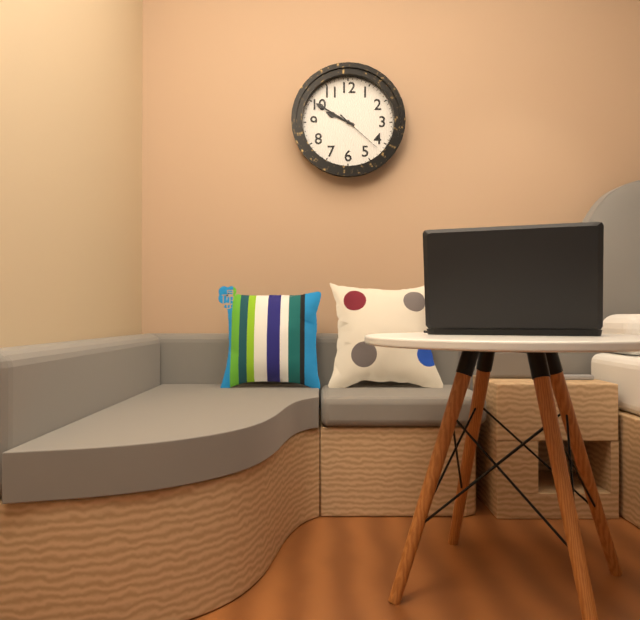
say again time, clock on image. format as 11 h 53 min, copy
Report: 9 h 50 min
